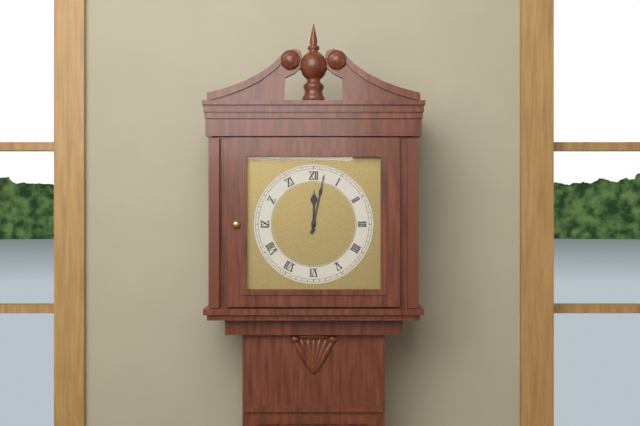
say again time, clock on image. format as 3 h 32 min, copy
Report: 12 h 02 min
